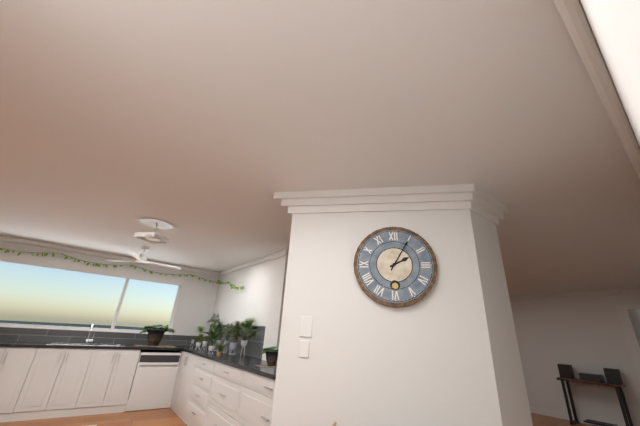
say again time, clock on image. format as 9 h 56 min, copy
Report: 2 h 05 min
